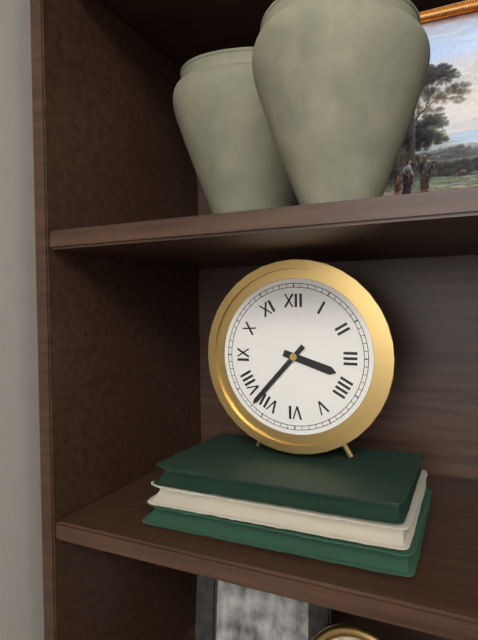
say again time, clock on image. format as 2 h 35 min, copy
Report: 3 h 37 min
